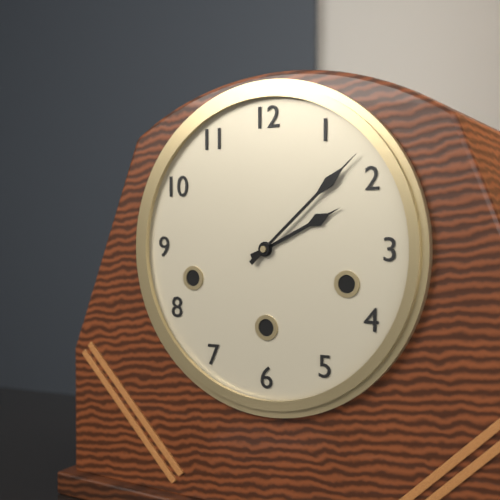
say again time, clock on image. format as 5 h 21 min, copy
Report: 2 h 08 min
